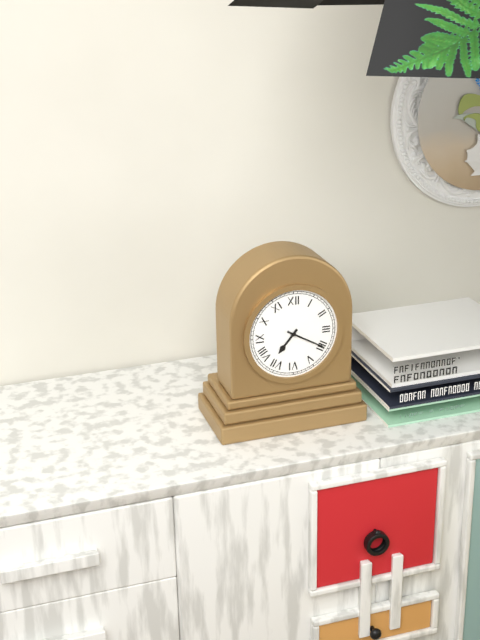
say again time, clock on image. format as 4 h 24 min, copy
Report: 7 h 20 min
